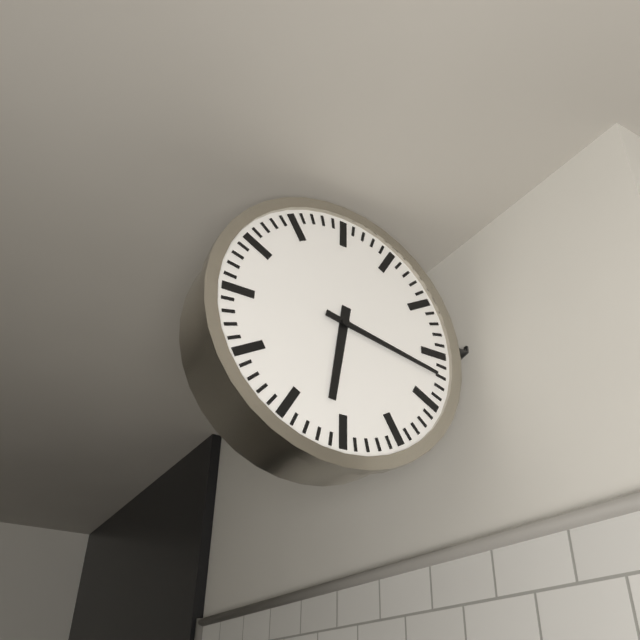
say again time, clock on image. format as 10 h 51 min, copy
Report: 6 h 17 min
